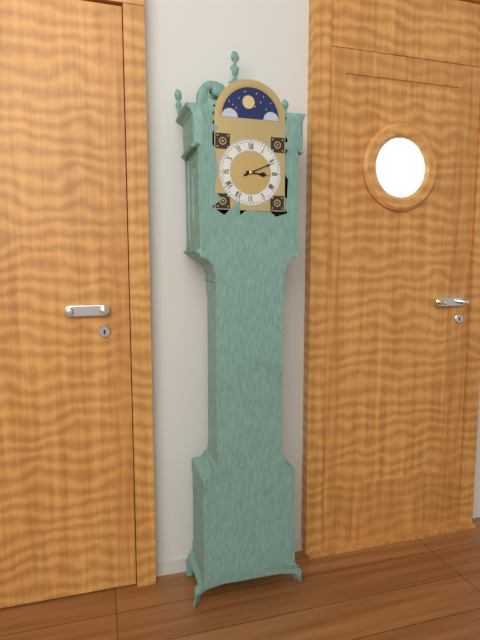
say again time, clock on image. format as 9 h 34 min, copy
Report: 3 h 11 min
